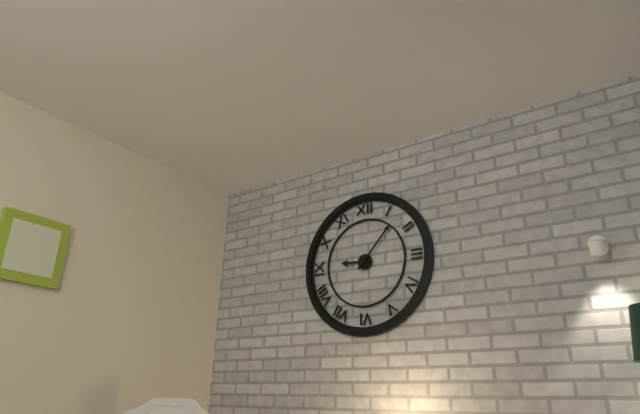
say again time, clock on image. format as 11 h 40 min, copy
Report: 9 h 07 min
